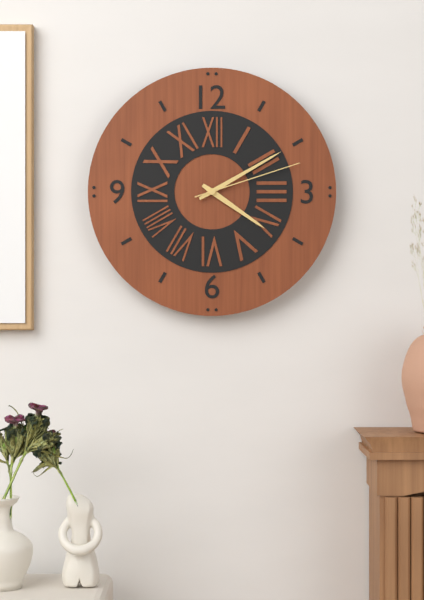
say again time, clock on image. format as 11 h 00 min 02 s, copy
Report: 4 h 10 min 12 s
